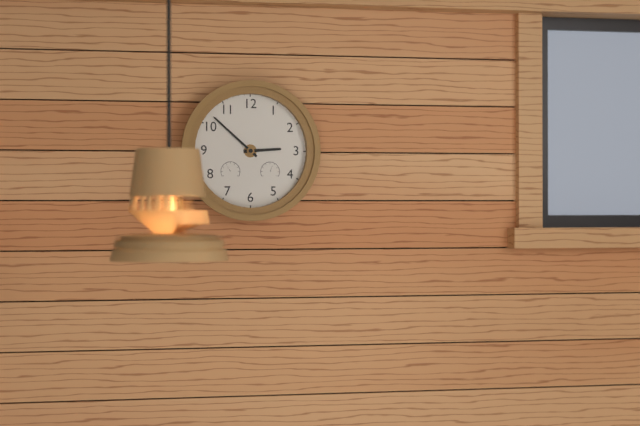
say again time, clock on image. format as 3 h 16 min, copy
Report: 2 h 52 min
